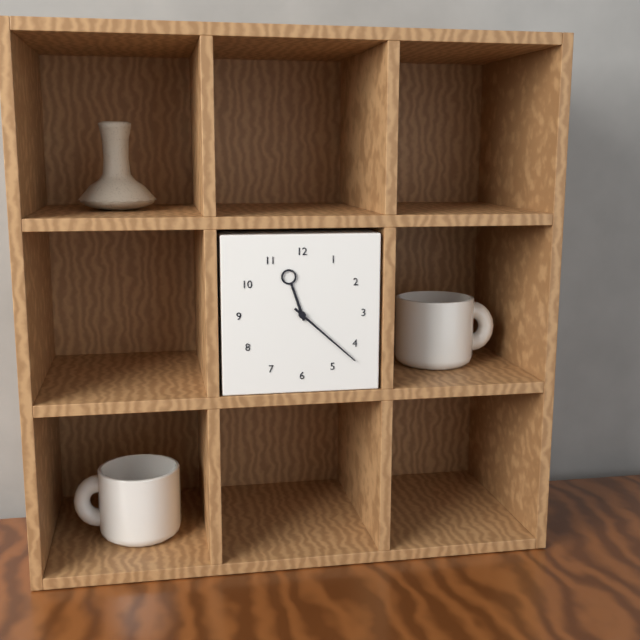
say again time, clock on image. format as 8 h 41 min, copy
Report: 11 h 22 min
